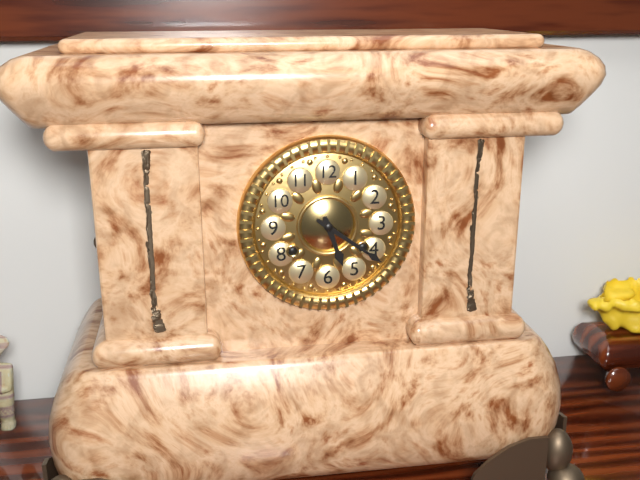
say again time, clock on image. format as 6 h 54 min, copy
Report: 5 h 21 min
